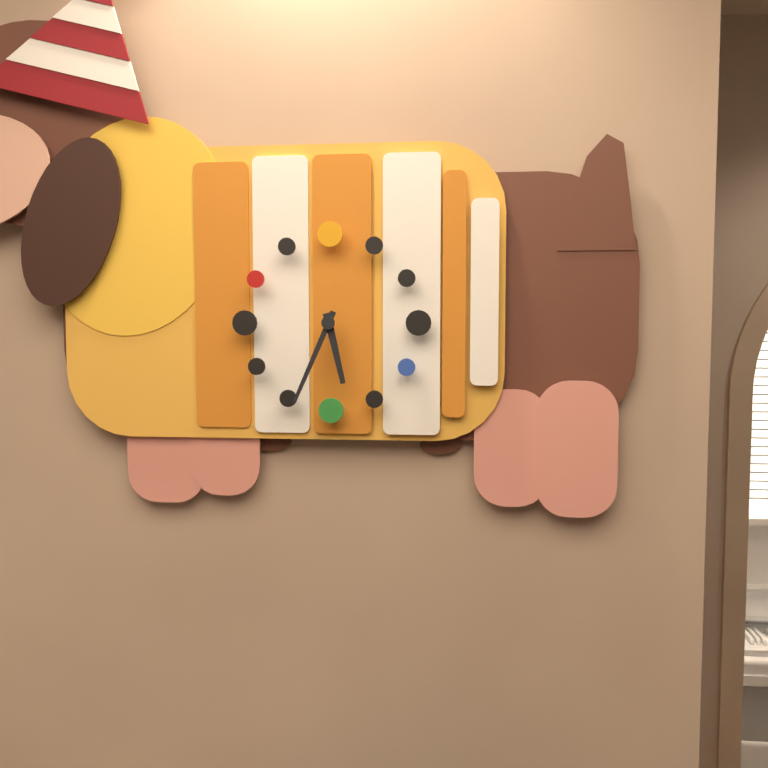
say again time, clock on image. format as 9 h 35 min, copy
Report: 5 h 34 min
